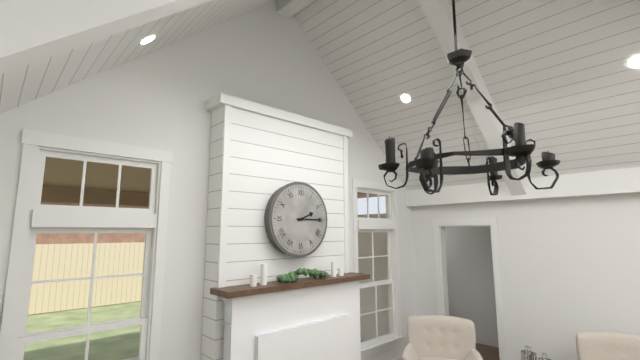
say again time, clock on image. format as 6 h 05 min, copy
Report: 2 h 15 min
